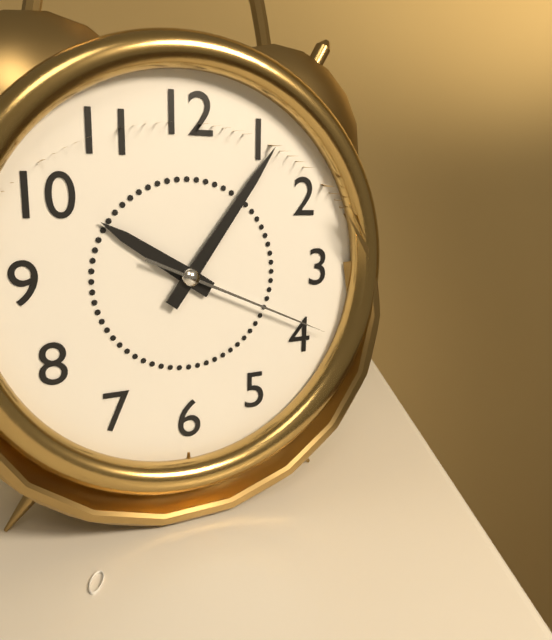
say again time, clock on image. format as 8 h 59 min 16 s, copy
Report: 10 h 06 min 19 s
